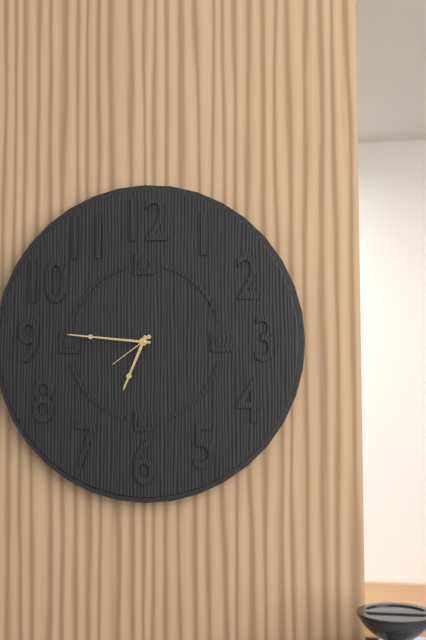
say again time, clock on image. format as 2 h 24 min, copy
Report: 6 h 46 min
